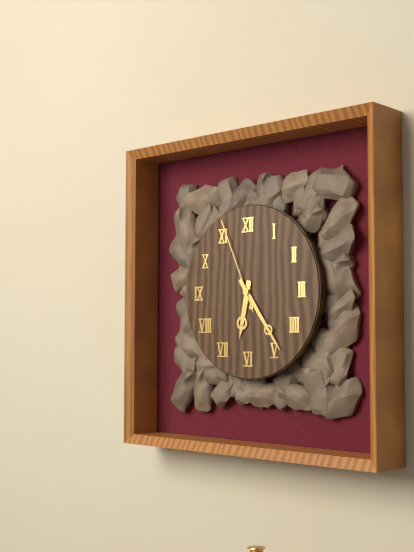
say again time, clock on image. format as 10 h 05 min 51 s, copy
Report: 6 h 24 min 56 s
